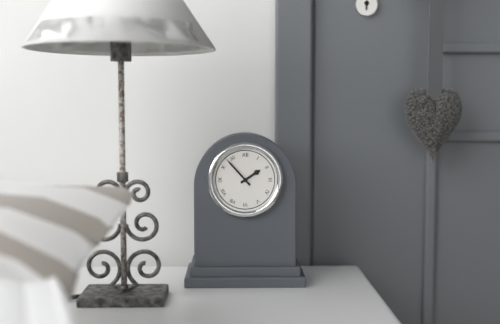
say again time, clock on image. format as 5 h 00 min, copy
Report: 1 h 53 min
